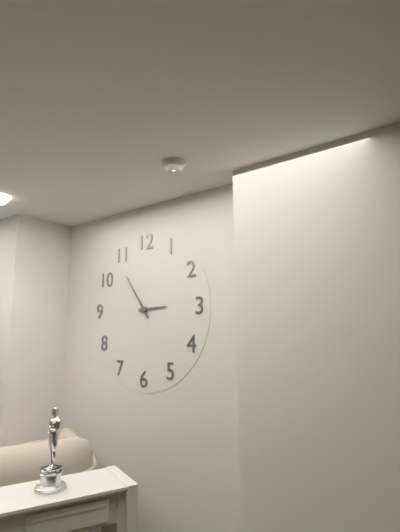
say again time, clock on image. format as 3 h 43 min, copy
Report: 2 h 54 min
